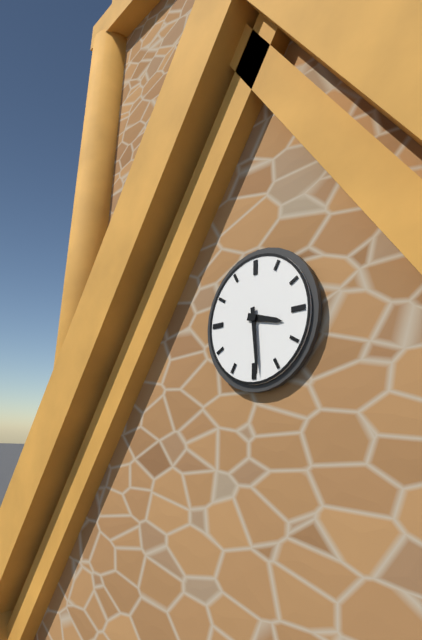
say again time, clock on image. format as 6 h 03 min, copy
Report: 3 h 29 min
